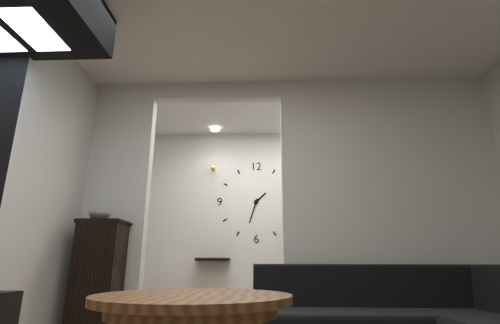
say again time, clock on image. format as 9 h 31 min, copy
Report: 1 h 33 min
